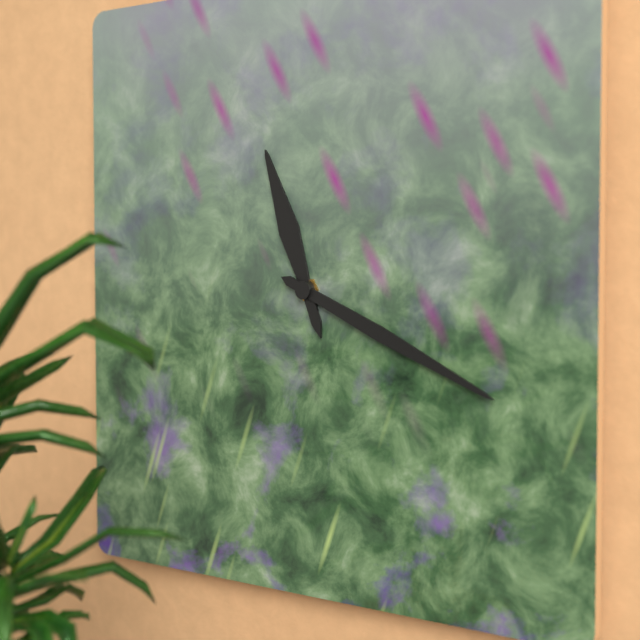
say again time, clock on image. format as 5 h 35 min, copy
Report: 11 h 19 min
